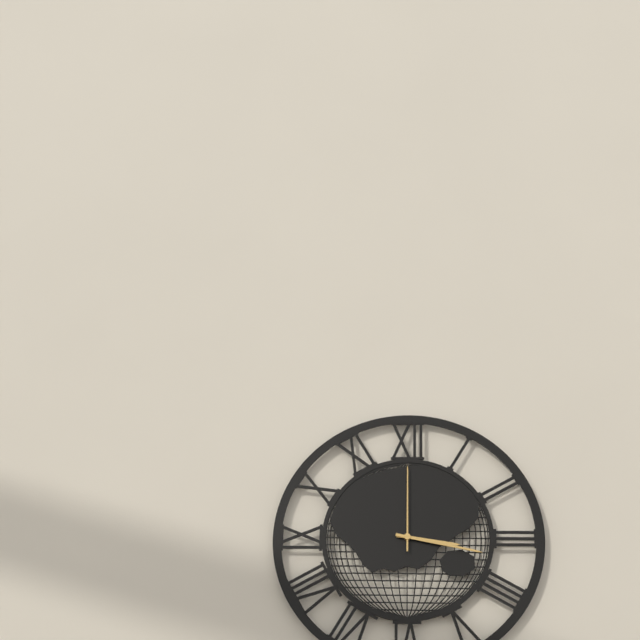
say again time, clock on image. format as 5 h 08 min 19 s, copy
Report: 3 h 17 min 00 s
